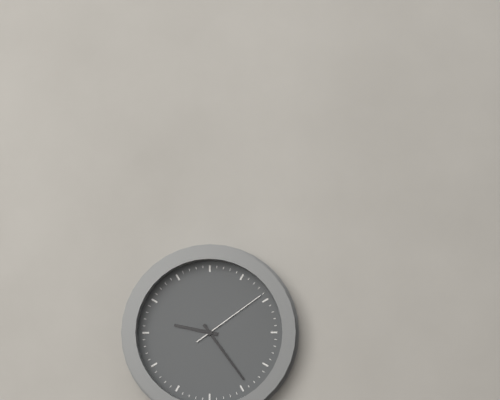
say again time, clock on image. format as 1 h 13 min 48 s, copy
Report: 9 h 24 min 09 s
